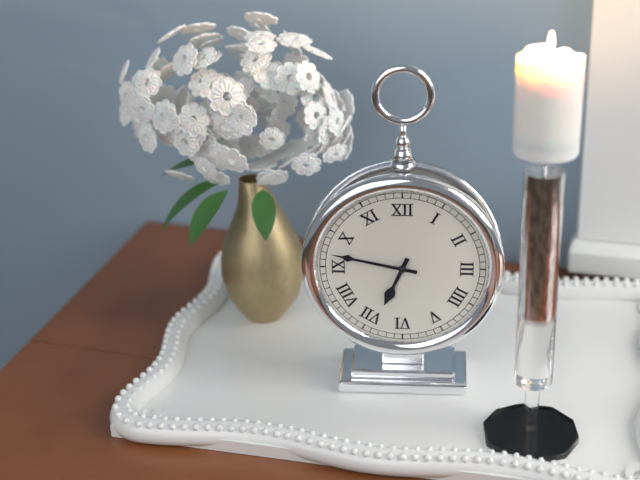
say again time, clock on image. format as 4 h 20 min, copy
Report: 6 h 47 min
